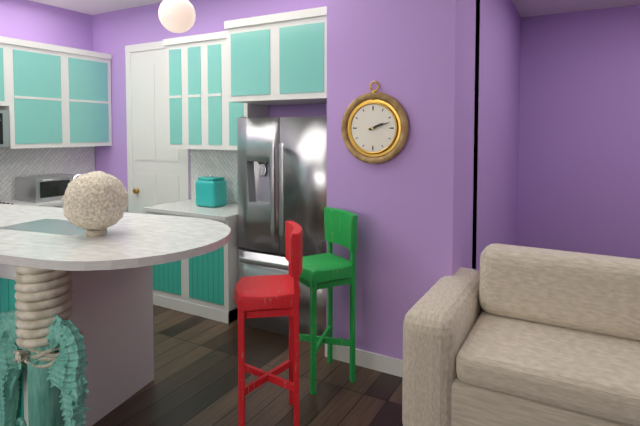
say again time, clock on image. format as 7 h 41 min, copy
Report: 2 h 12 min
